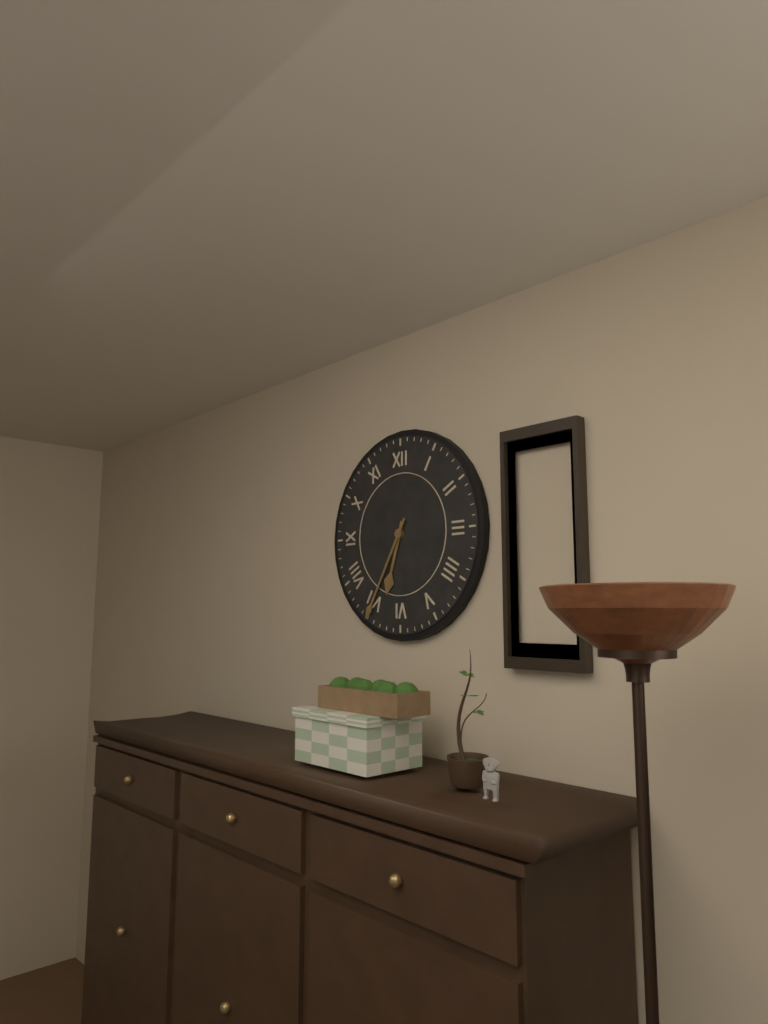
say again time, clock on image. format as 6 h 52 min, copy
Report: 6 h 35 min
